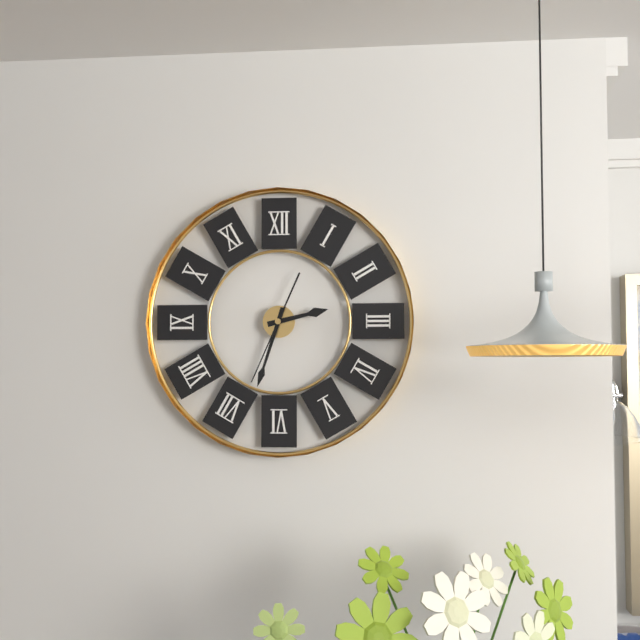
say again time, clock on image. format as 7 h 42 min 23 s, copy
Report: 2 h 33 min 34 s
